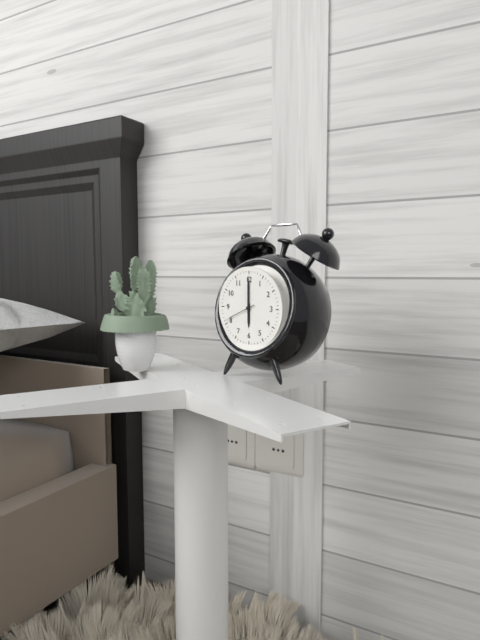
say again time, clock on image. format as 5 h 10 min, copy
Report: 6 h 00 min
